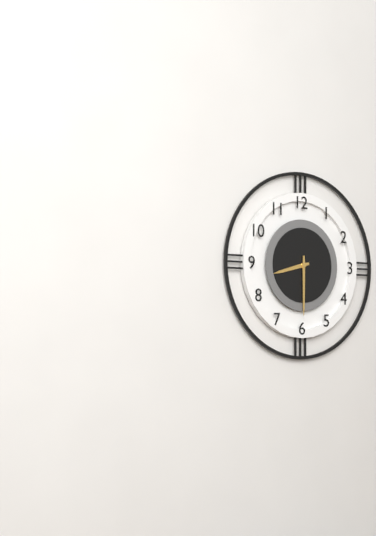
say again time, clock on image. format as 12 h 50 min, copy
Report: 8 h 30 min
